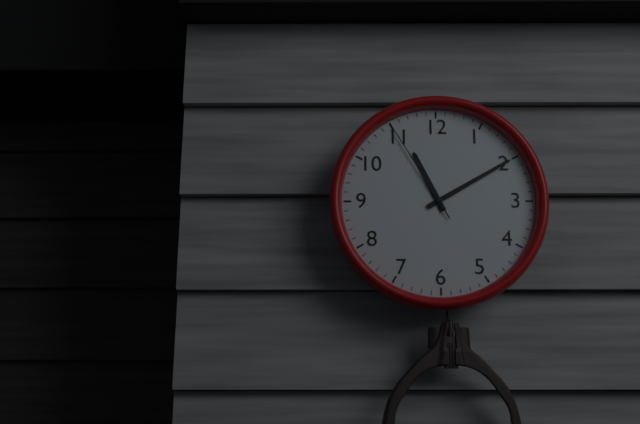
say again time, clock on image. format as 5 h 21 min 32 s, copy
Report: 11 h 10 min 55 s
